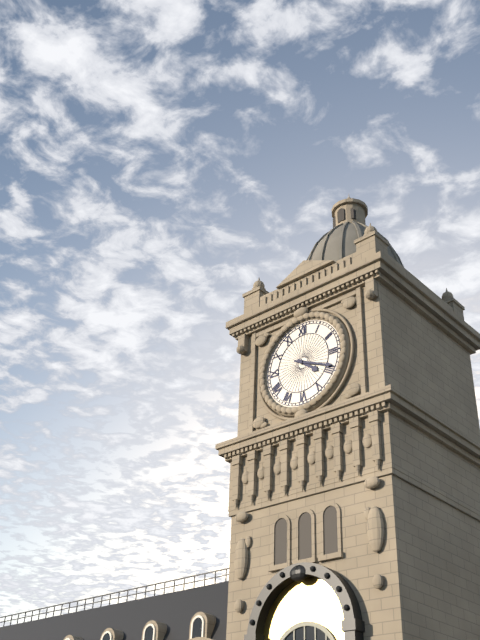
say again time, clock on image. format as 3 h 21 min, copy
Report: 4 h 19 min
